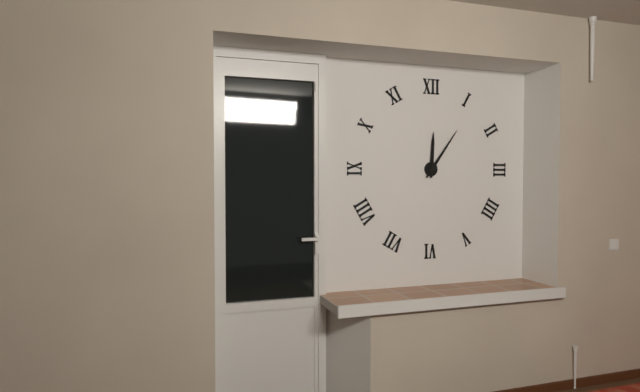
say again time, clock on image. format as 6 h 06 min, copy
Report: 12 h 06 min
